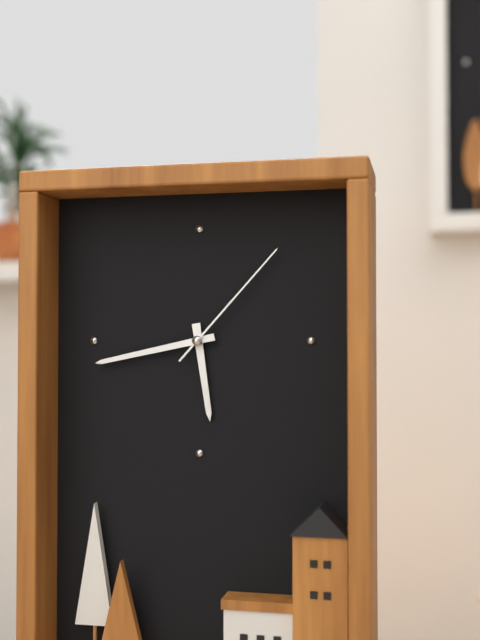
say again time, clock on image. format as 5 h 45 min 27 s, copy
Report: 5 h 43 min 07 s
